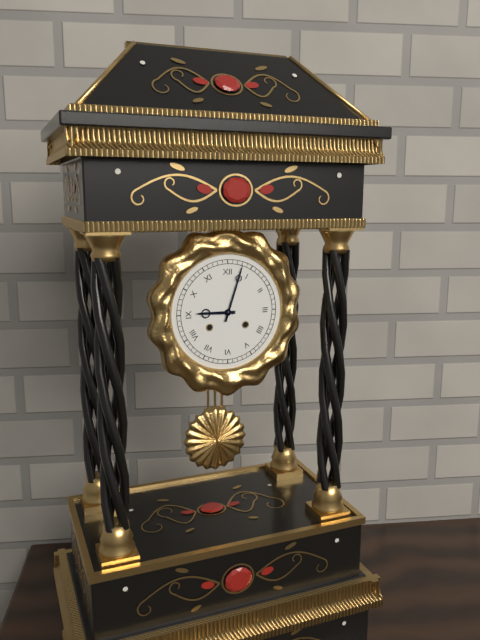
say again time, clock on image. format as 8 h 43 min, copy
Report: 9 h 03 min
